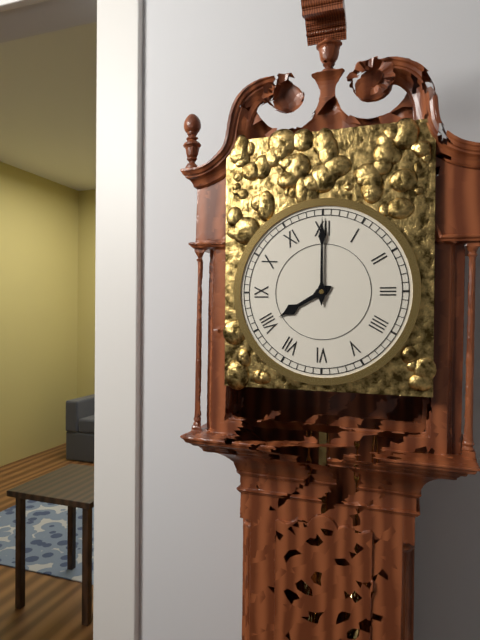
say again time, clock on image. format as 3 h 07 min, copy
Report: 8 h 00 min
